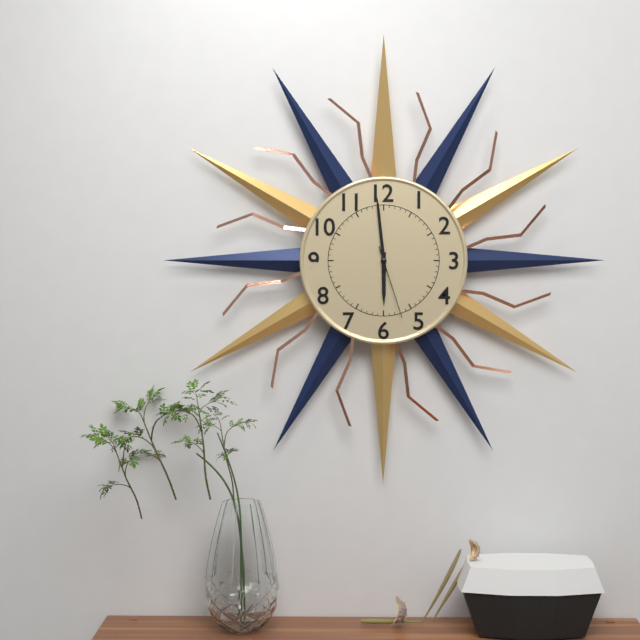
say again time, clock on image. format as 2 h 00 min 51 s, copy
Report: 5 h 59 min 27 s
